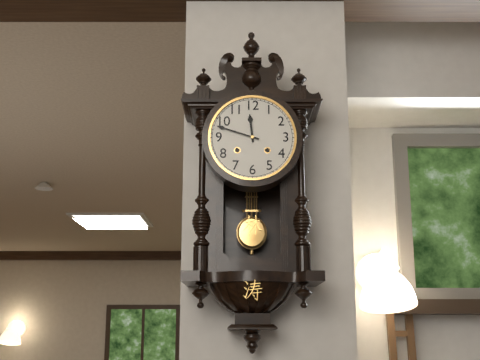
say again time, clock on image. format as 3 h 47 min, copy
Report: 11 h 48 min
